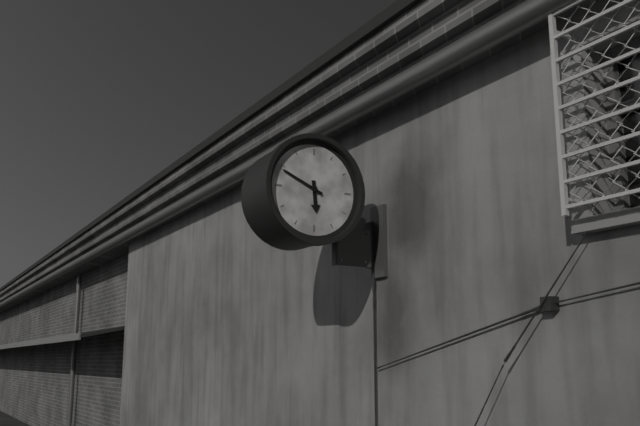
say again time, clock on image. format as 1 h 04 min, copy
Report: 5 h 49 min
